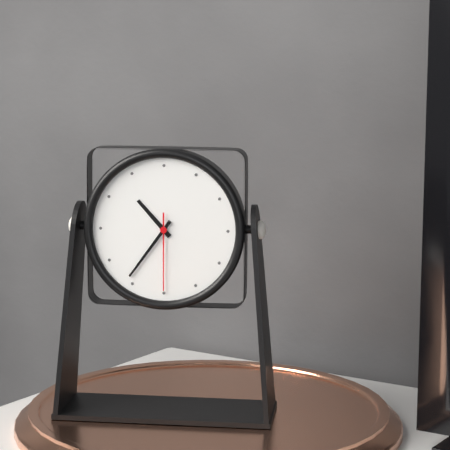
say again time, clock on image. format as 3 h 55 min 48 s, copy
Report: 10 h 36 min 30 s
